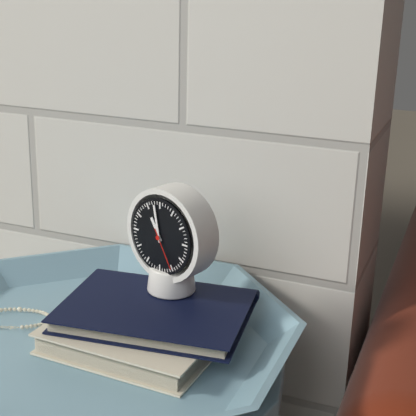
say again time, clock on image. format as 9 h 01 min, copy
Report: 10 h 58 min
